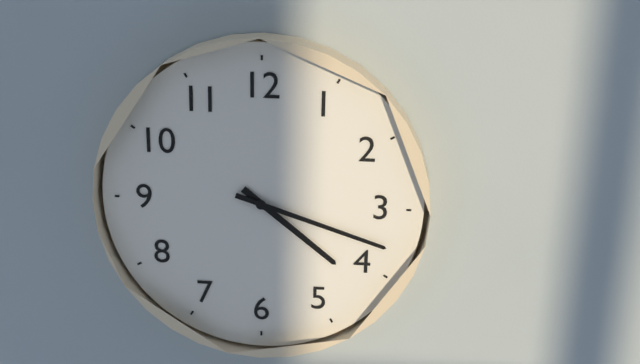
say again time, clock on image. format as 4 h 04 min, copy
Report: 4 h 18 min
